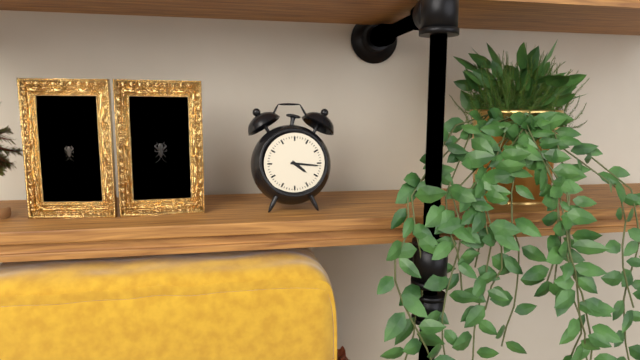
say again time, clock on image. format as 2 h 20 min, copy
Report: 4 h 16 min
